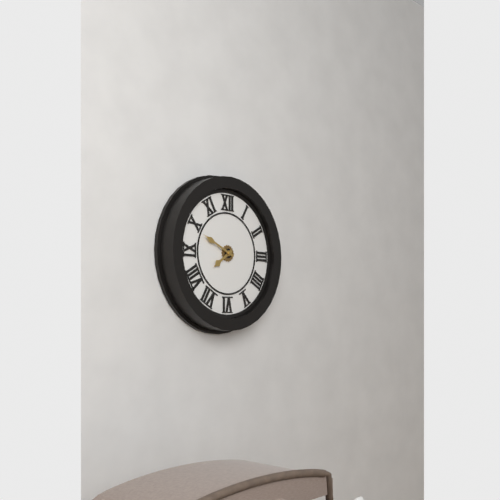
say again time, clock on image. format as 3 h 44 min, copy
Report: 7 h 49 min
